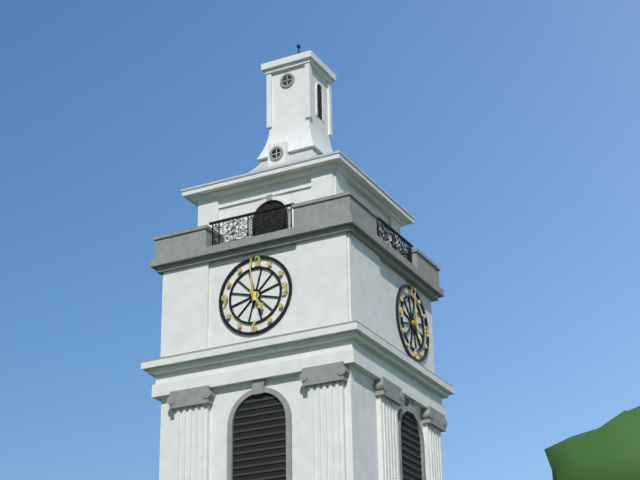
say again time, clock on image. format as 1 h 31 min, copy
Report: 4 h 59 min
